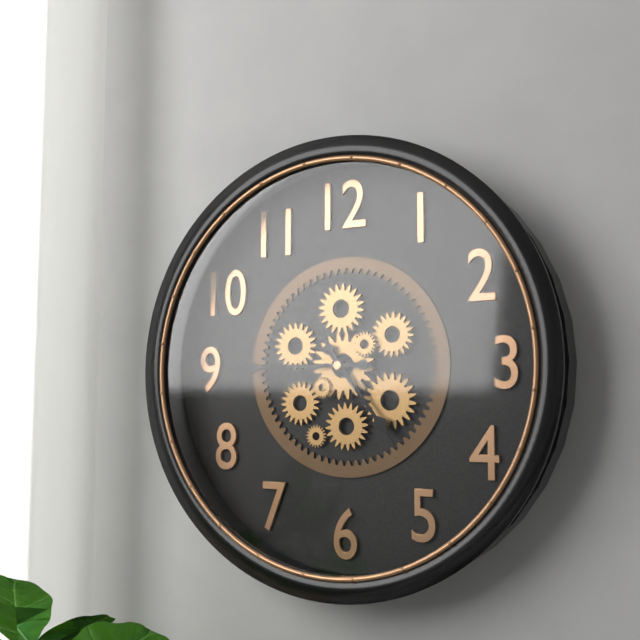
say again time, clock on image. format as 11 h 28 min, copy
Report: 4 h 45 min
